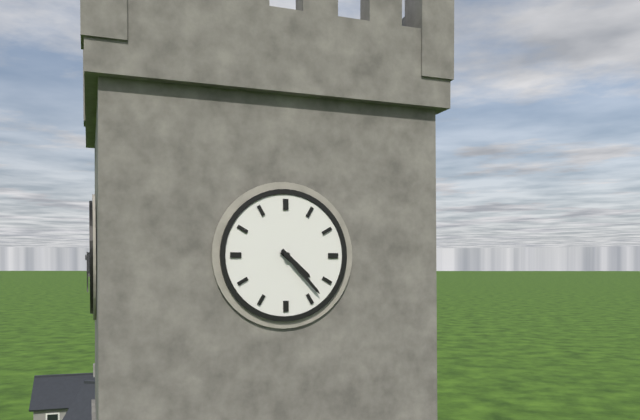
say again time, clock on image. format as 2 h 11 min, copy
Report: 4 h 23 min
